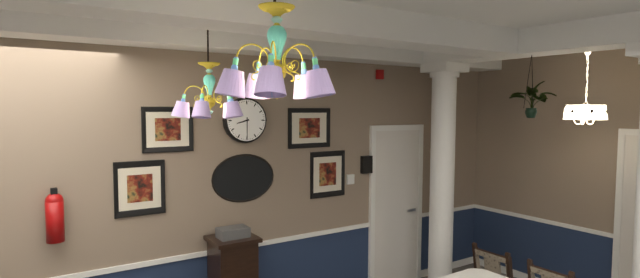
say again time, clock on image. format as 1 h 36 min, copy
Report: 8 h 30 min
